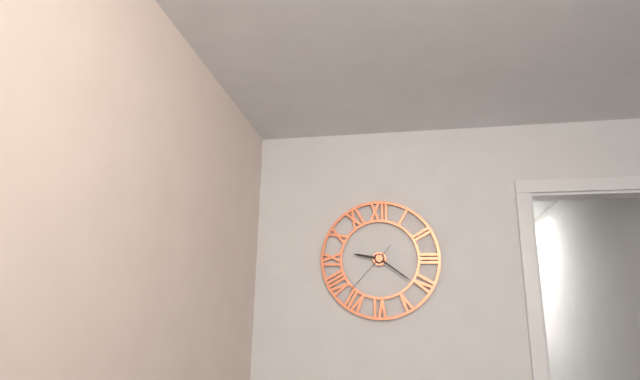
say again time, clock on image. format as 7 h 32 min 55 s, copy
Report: 9 h 21 min 37 s
